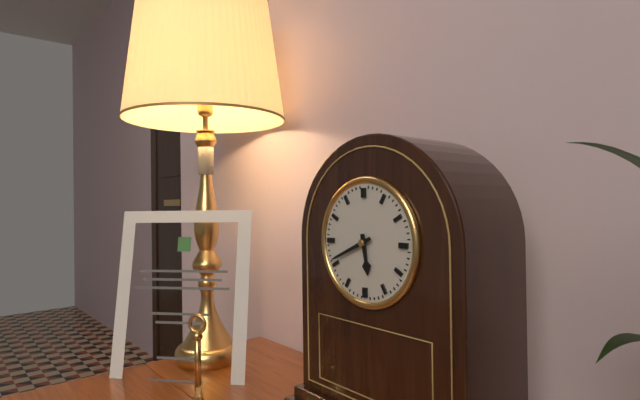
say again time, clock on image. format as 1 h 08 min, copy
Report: 5 h 41 min
